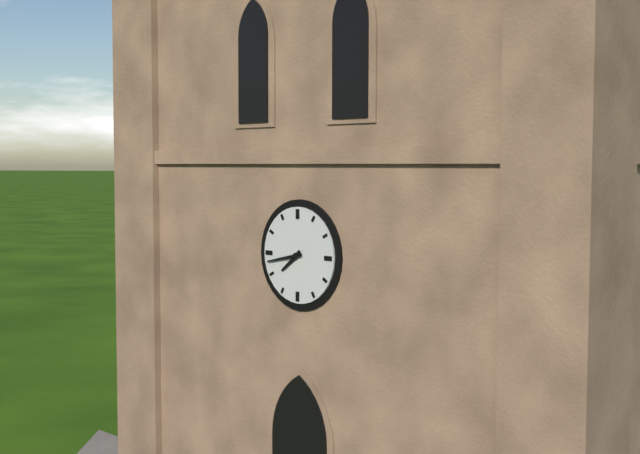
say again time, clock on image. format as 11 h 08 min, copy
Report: 7 h 43 min
